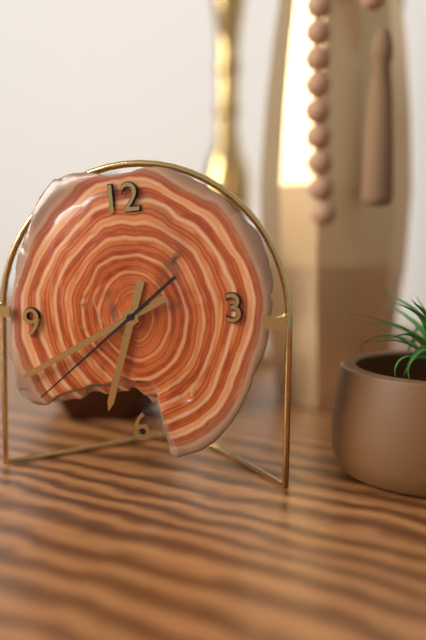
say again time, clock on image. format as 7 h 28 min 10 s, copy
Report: 6 h 41 min 39 s
